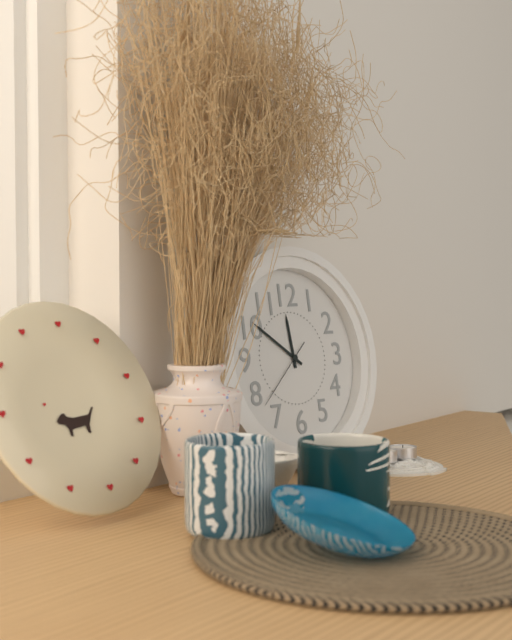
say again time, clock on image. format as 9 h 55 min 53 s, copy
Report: 11 h 51 min 38 s
